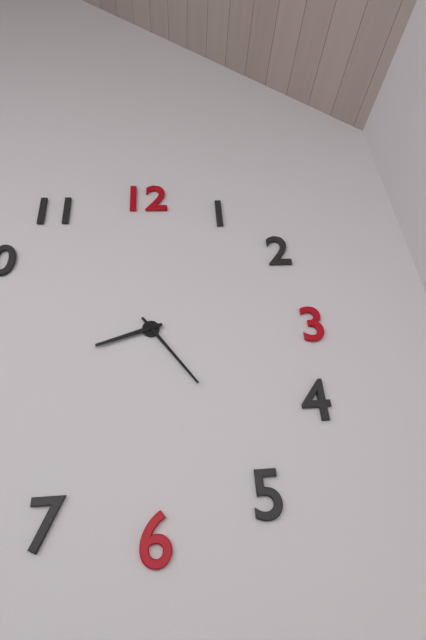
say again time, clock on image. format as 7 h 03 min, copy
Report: 8 h 24 min
